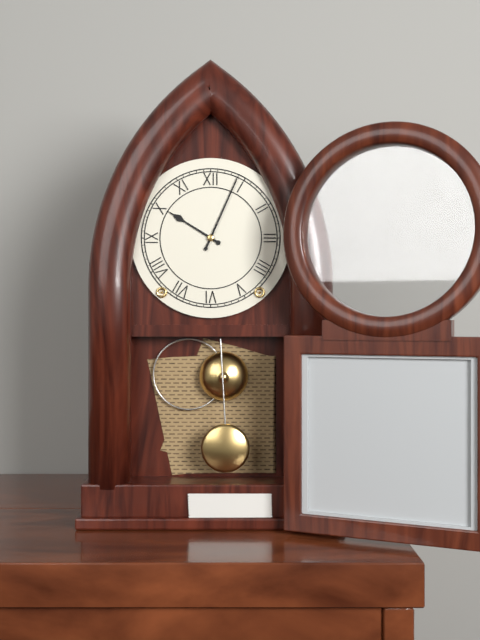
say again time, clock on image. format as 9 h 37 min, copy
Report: 10 h 04 min
